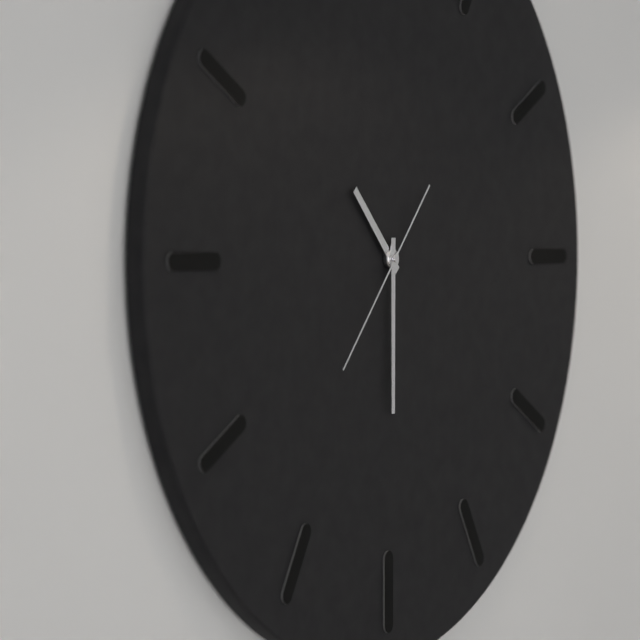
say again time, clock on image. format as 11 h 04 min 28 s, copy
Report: 10 h 30 min 37 s
